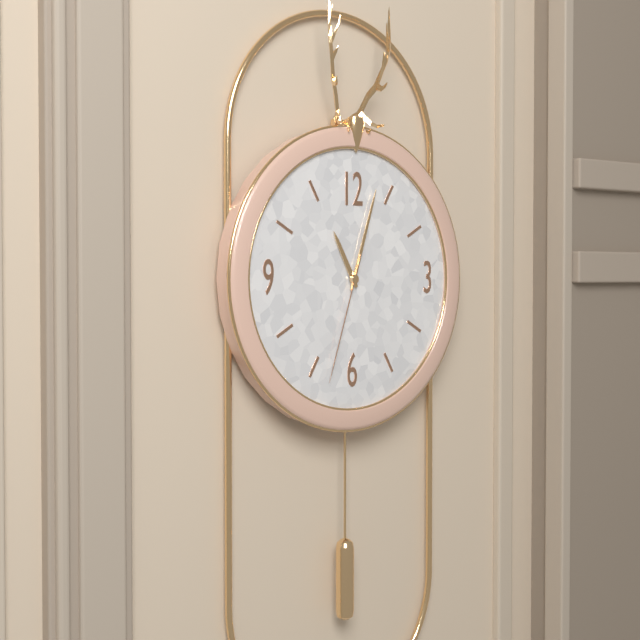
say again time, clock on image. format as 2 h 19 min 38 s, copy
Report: 11 h 03 min 33 s
